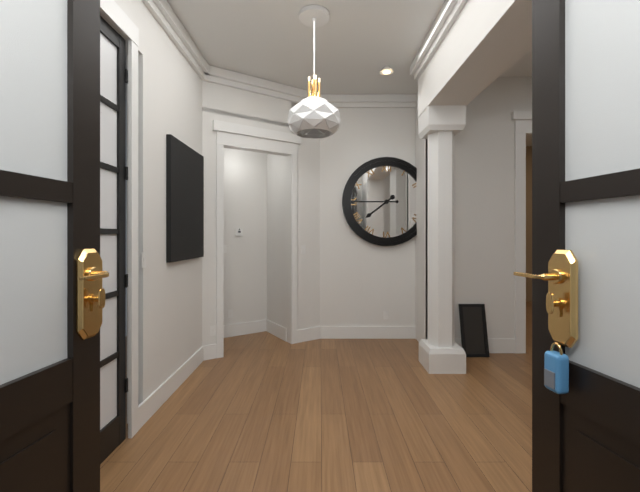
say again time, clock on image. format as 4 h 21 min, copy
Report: 7 h 45 min
